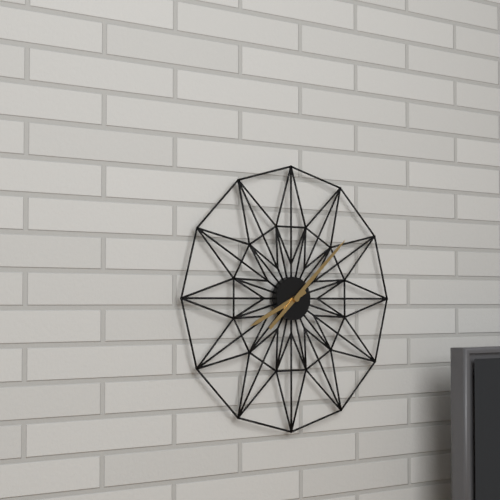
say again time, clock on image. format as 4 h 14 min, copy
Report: 8 h 08 min
